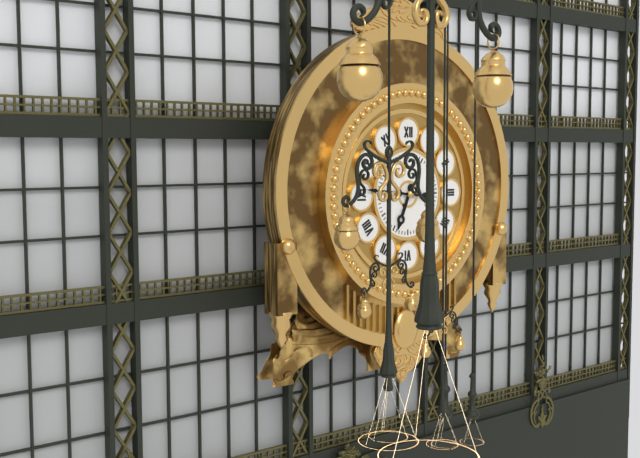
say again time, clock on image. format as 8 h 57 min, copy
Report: 6 h 46 min
